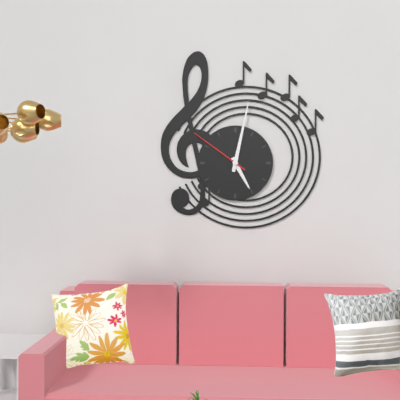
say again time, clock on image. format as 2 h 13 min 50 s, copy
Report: 5 h 02 min 51 s
